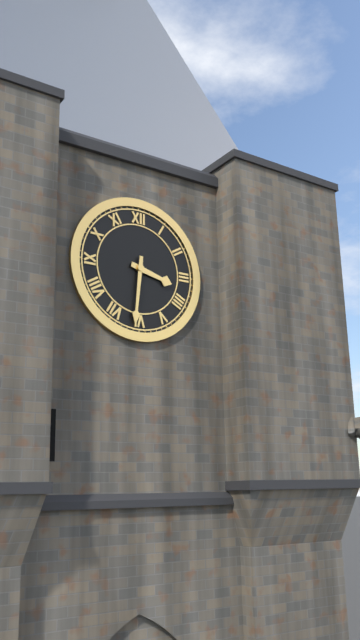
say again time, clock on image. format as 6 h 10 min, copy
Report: 3 h 31 min
